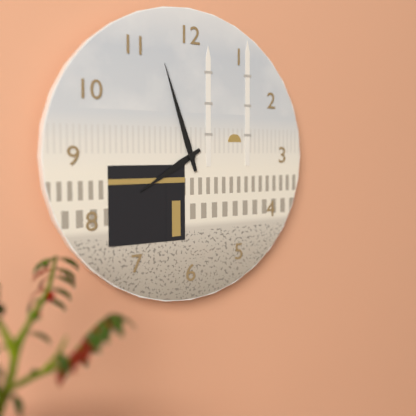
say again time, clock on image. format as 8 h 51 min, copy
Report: 7 h 57 min
